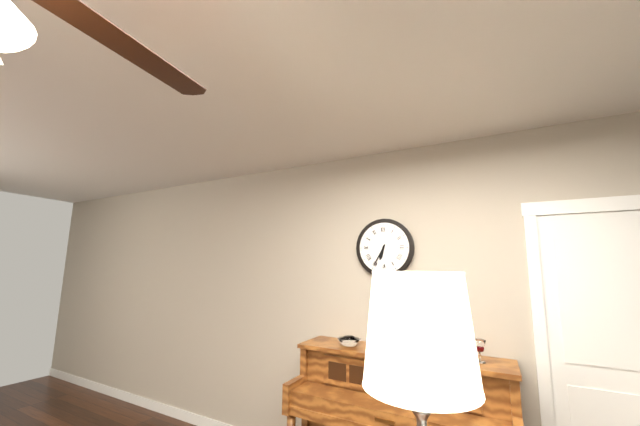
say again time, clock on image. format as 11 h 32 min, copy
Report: 6 h 35 min
